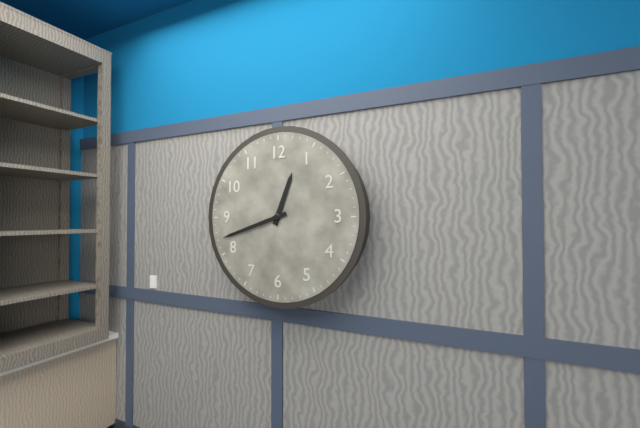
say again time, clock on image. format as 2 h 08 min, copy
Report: 12 h 42 min
